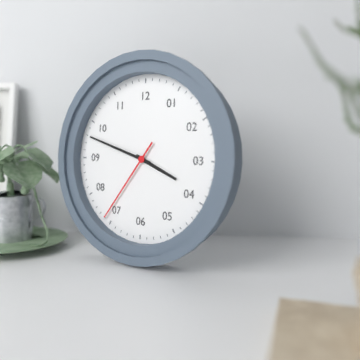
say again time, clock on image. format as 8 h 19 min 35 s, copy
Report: 3 h 48 min 36 s
